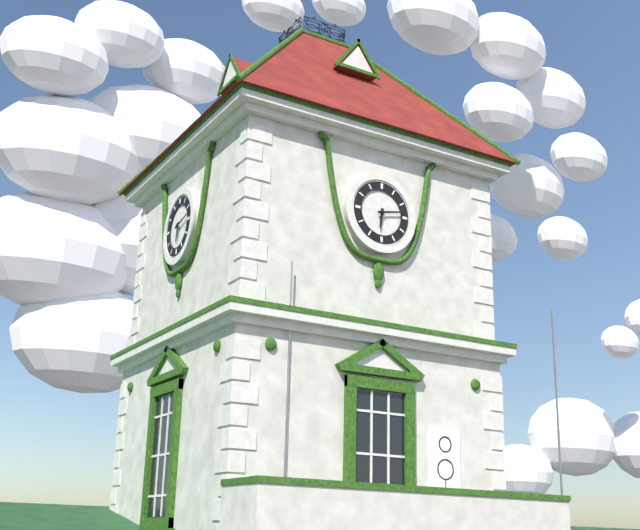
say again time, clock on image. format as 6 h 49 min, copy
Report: 6 h 13 min
